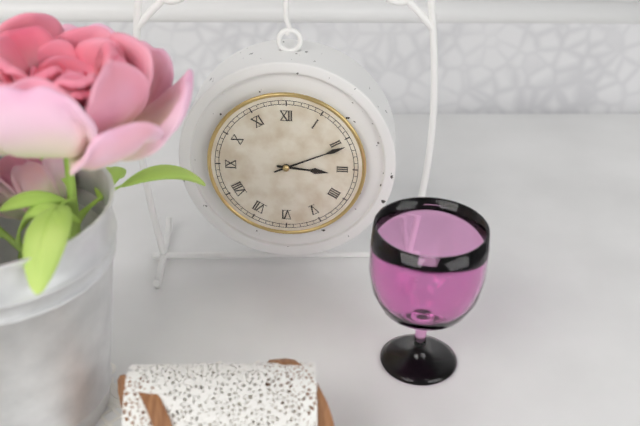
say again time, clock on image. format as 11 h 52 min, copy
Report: 3 h 11 min
